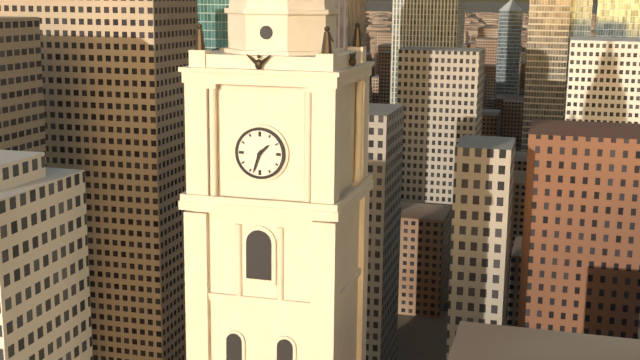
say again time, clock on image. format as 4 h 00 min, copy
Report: 1 h 33 min
